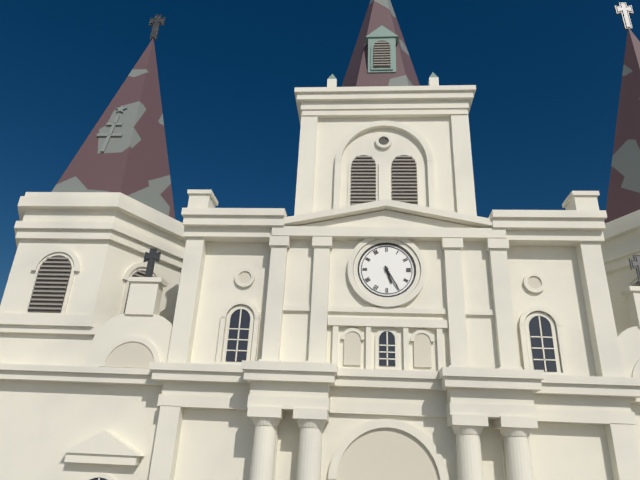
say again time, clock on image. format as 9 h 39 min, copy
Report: 5 h 25 min
